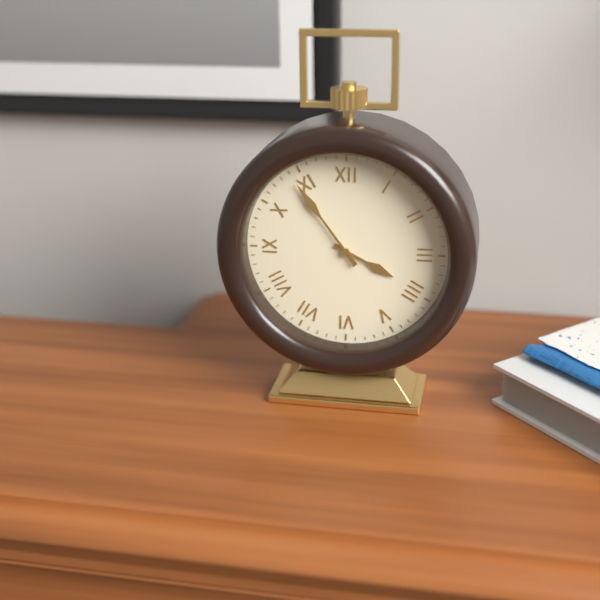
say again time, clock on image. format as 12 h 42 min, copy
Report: 3 h 54 min
